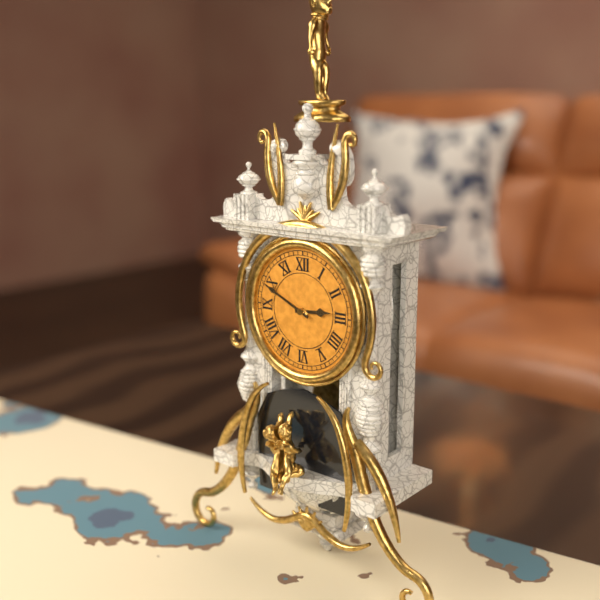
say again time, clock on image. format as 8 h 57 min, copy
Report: 2 h 49 min
